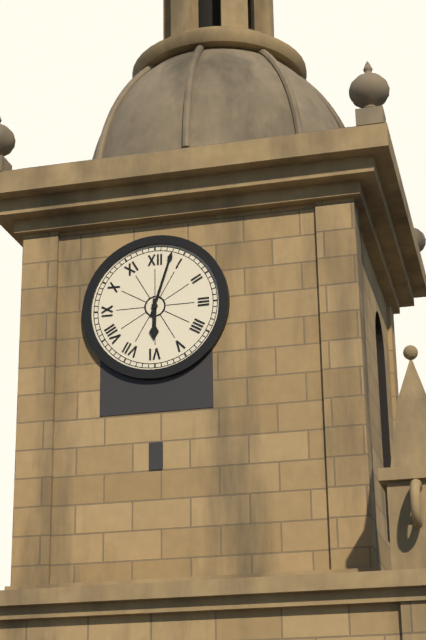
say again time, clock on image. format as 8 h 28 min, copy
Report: 6 h 03 min
